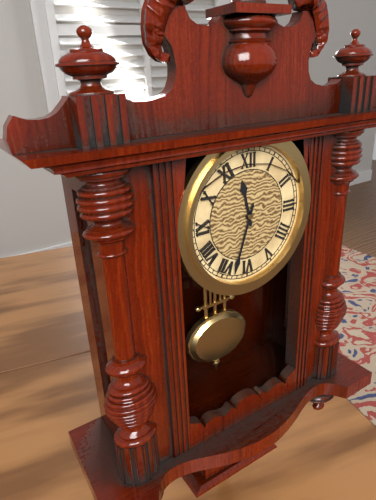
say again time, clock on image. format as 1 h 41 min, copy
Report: 11 h 33 min
